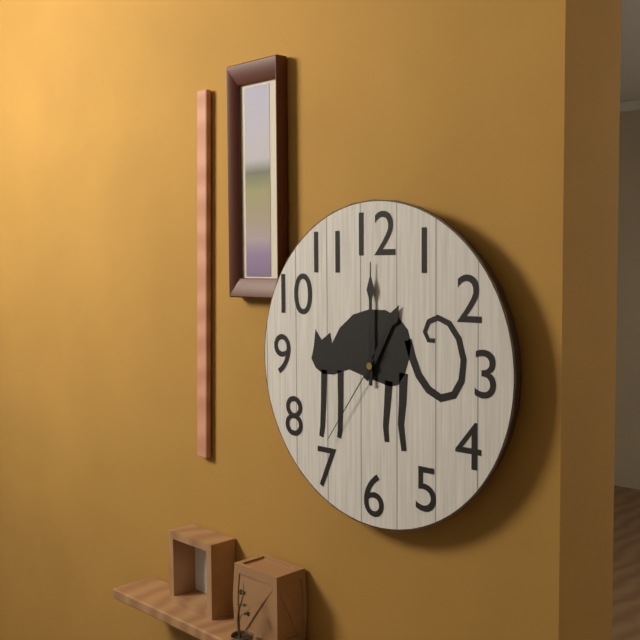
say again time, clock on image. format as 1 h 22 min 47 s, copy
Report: 1 h 00 min 36 s
